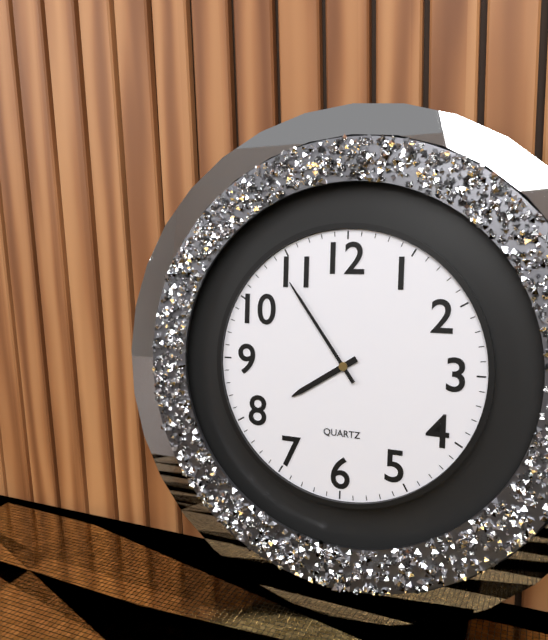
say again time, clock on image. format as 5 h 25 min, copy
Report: 7 h 54 min
